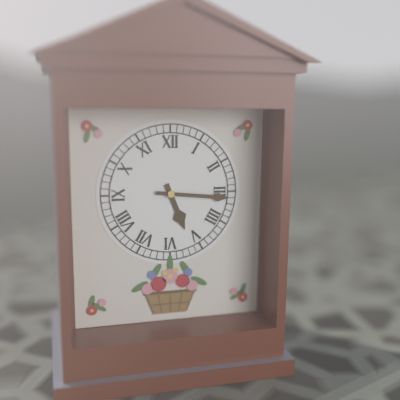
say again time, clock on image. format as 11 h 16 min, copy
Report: 5 h 16 min
